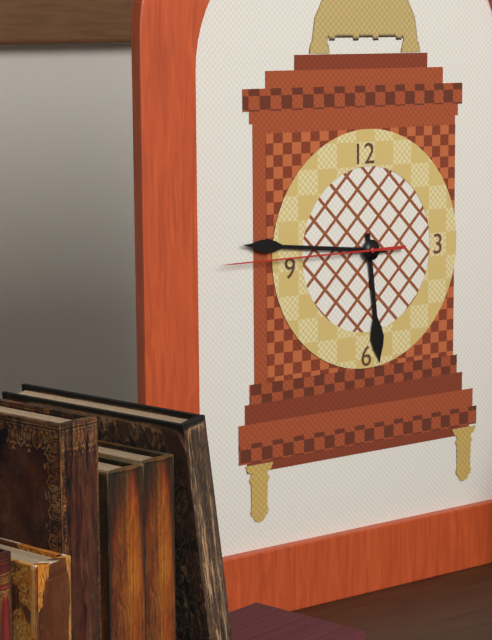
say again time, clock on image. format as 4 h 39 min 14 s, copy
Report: 5 h 46 min 45 s
